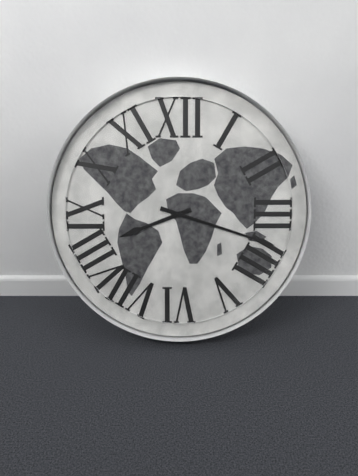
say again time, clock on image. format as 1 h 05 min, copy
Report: 8 h 18 min
